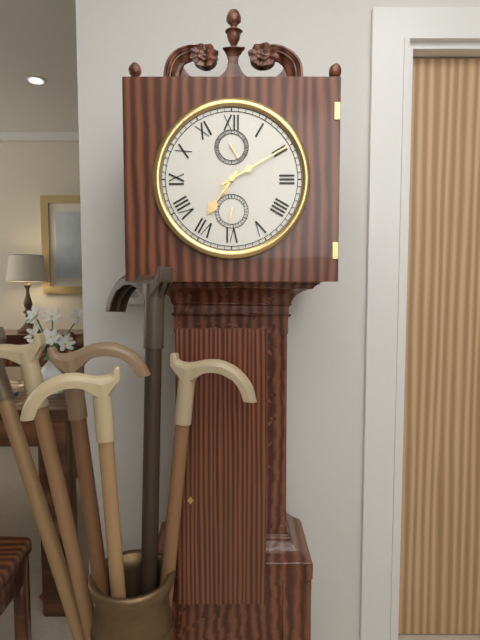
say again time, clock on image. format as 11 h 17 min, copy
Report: 7 h 10 min
